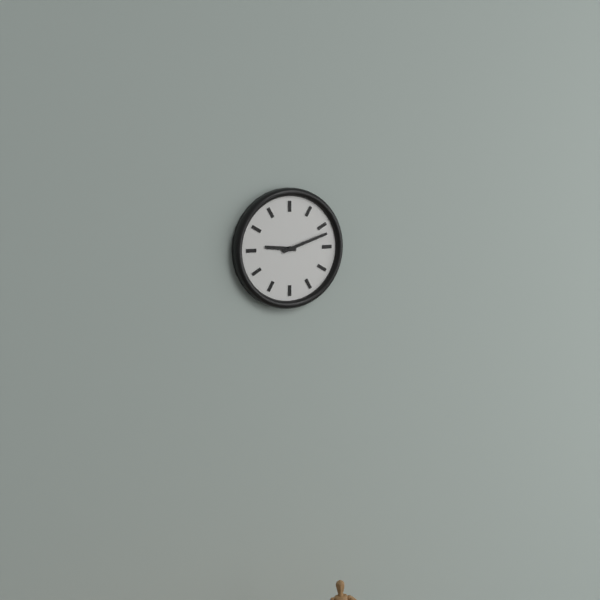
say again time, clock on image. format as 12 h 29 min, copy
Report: 9 h 12 min
